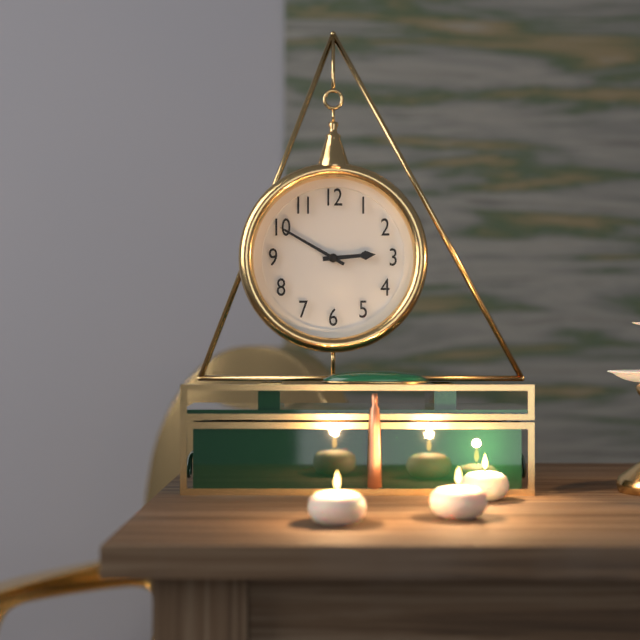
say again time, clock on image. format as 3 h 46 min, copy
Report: 2 h 50 min
